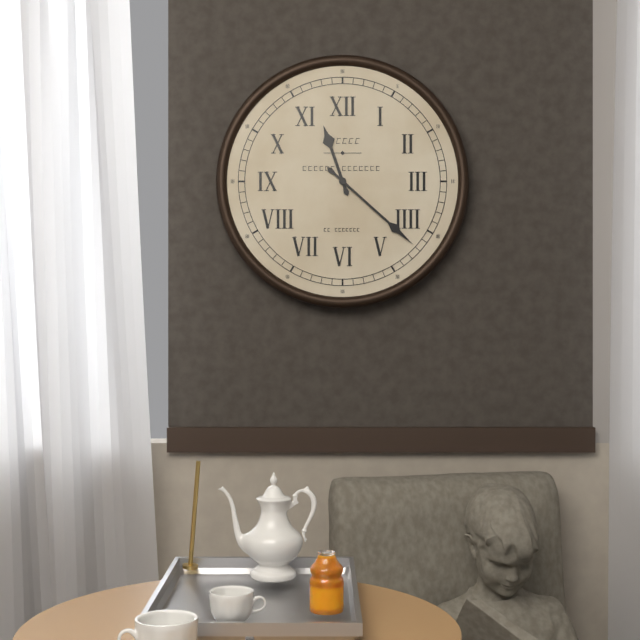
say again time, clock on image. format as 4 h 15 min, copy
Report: 11 h 22 min
